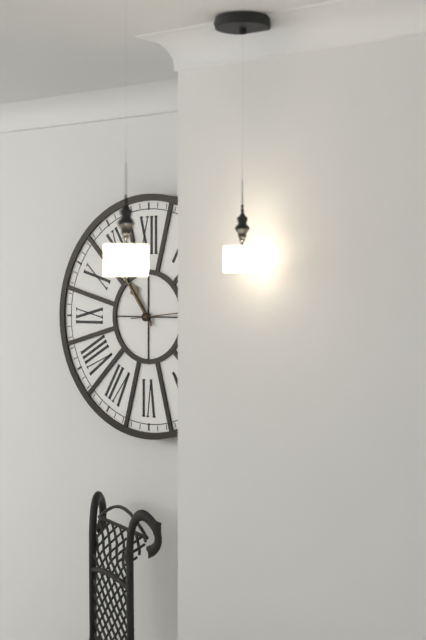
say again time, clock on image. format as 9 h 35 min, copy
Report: 10 h 54 min
